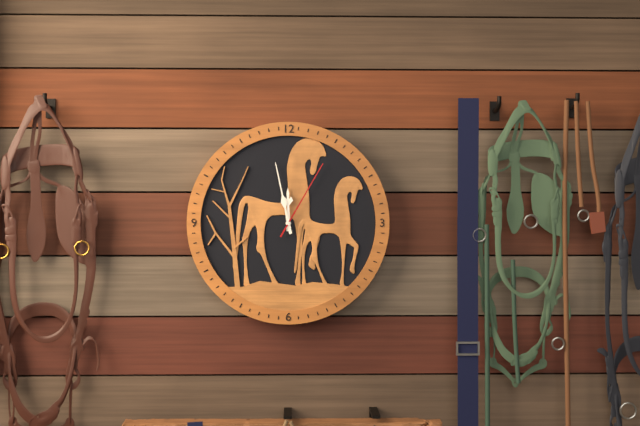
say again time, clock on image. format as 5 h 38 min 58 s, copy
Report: 11 h 58 min 05 s
